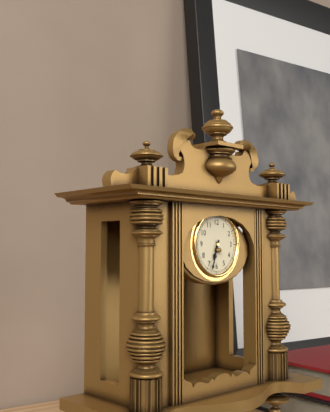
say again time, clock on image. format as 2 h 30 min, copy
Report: 6 h 33 min
